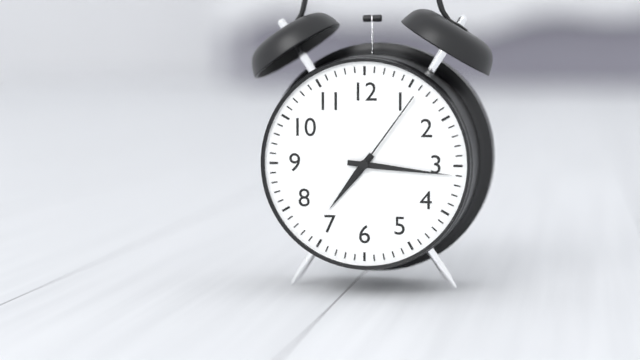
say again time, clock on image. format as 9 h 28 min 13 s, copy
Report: 7 h 16 min 06 s
